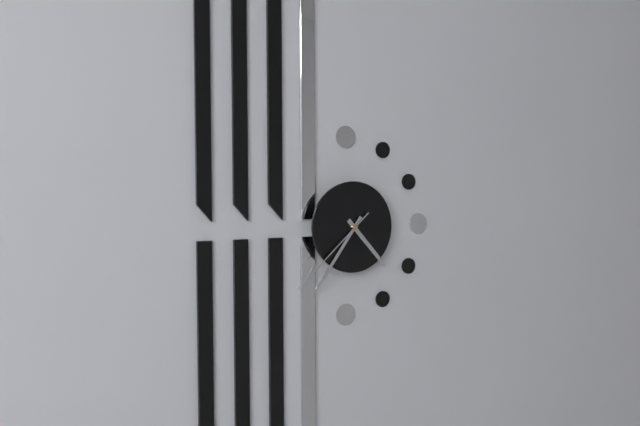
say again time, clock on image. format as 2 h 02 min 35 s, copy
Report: 4 h 36 min 38 s
